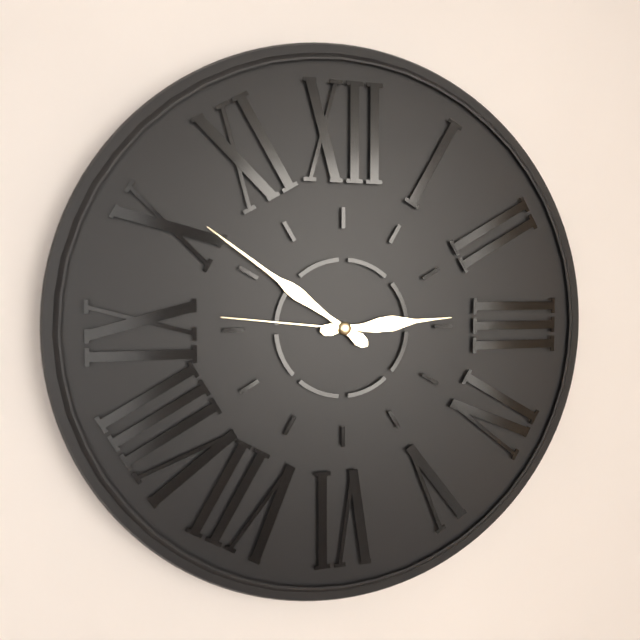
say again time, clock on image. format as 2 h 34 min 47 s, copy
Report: 2 h 51 min 46 s
